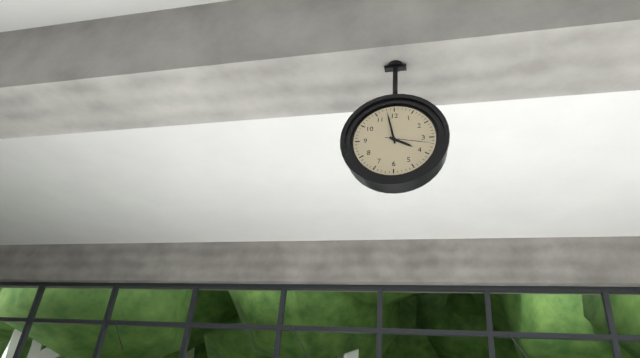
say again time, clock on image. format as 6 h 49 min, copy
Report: 3 h 58 min
